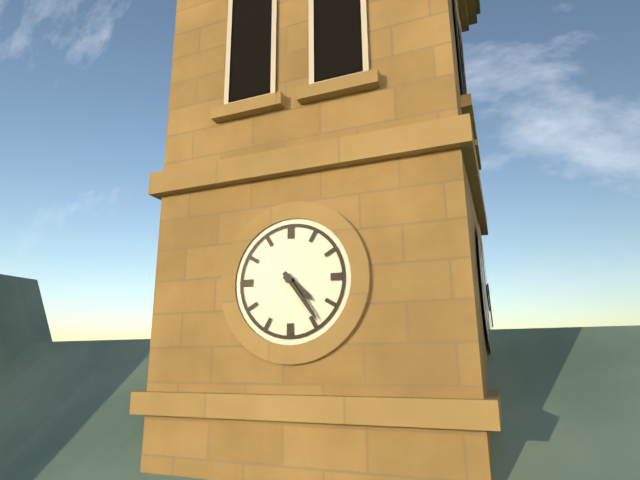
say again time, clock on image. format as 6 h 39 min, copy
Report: 4 h 24 min
